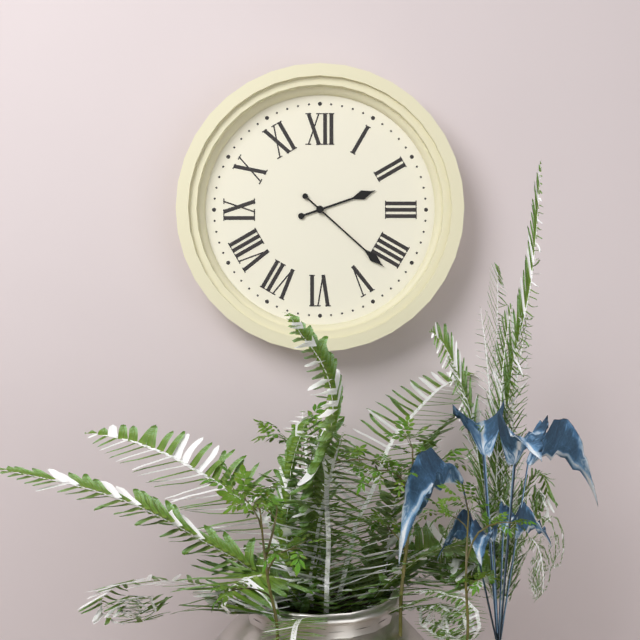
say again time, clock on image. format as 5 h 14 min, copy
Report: 2 h 22 min
